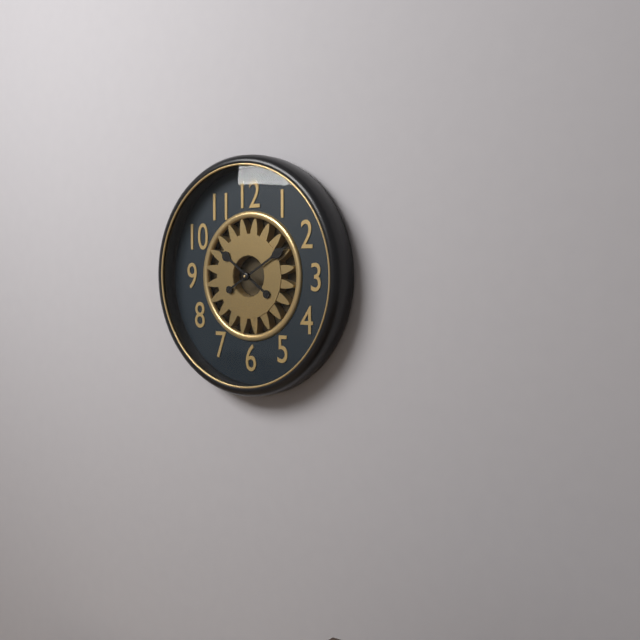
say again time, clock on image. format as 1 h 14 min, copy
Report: 10 h 10 min
